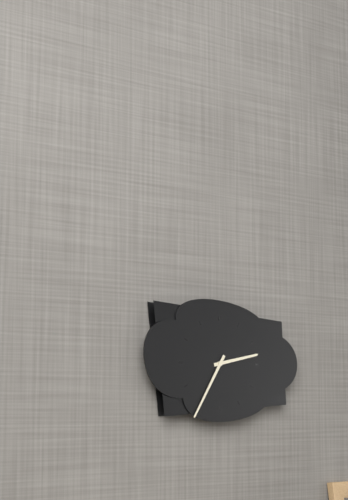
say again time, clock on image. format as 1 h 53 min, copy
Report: 2 h 35 min
